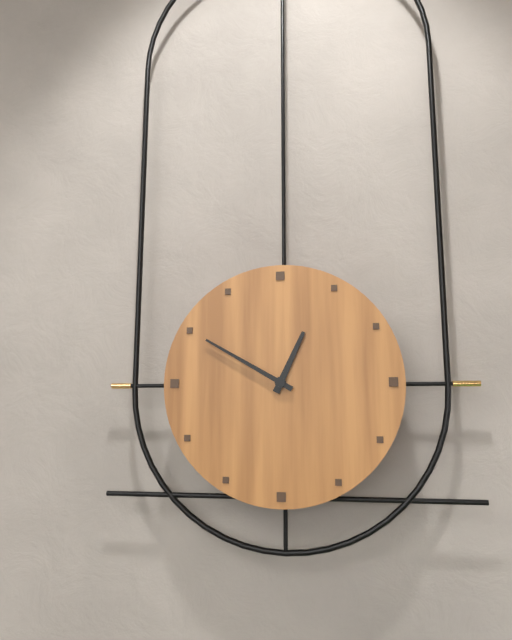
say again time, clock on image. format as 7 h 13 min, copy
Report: 12 h 50 min
